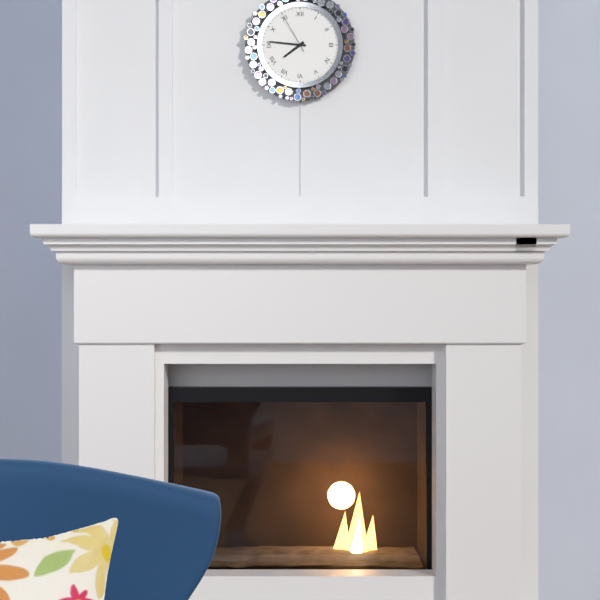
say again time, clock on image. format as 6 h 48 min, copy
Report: 7 h 46 min
